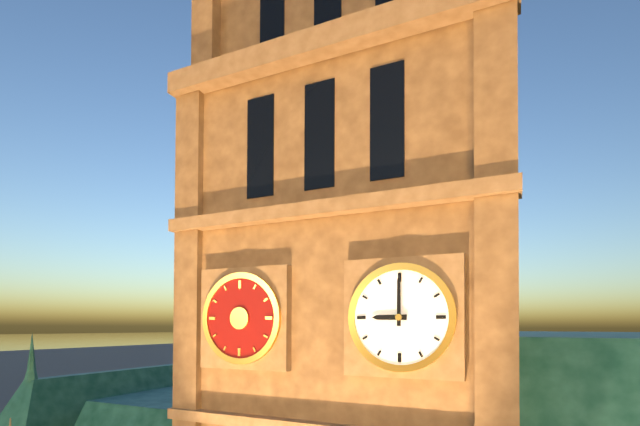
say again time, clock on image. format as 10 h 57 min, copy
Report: 9 h 00 min
